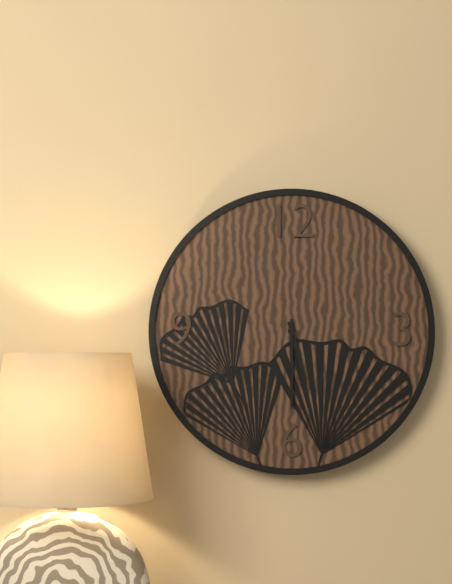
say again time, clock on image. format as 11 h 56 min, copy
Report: 5 h 30 min
